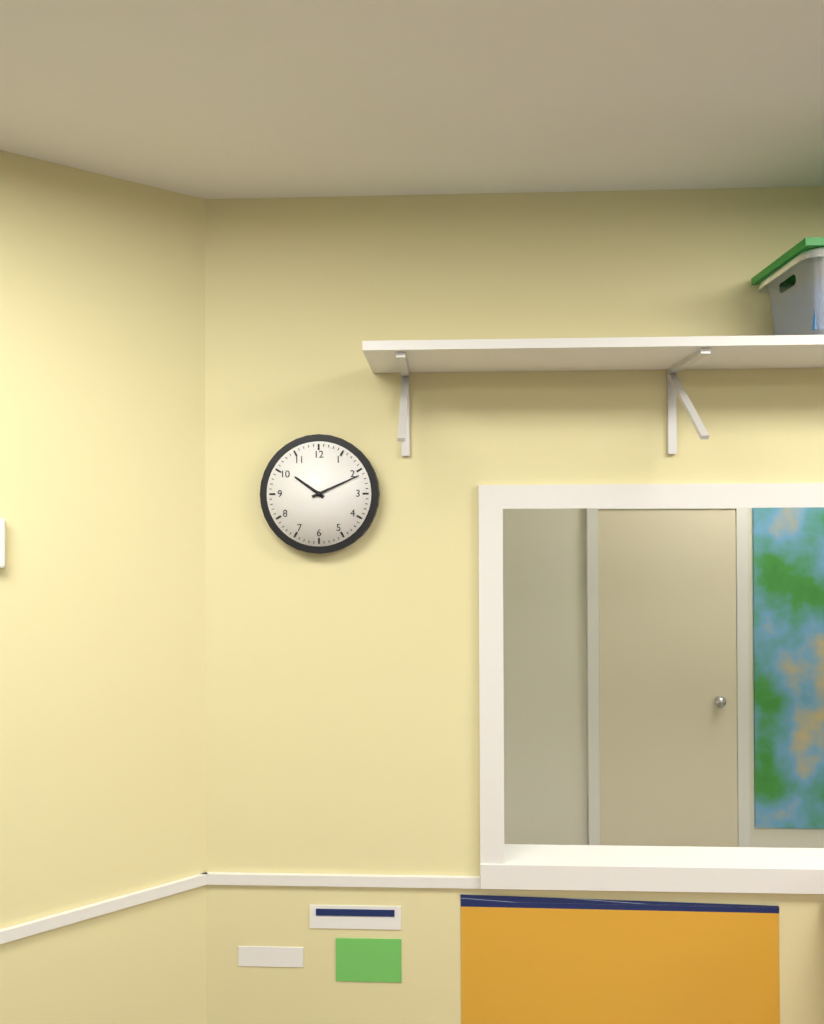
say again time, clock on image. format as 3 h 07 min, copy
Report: 10 h 11 min
